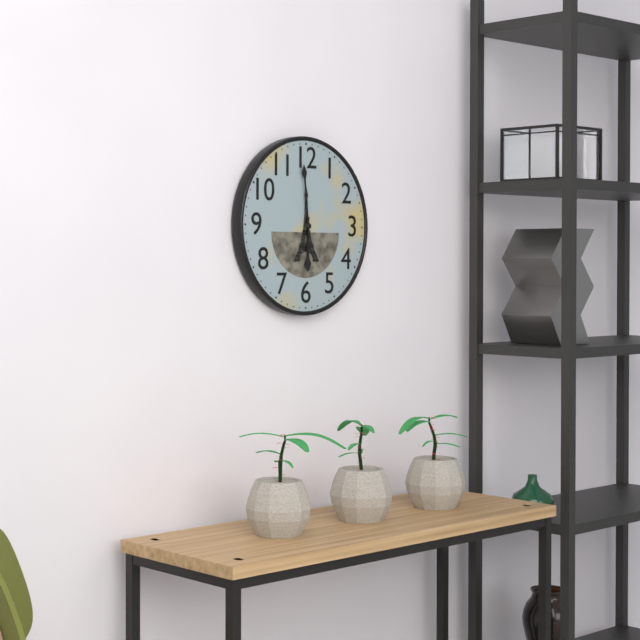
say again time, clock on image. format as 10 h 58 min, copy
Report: 5 h 59 min
